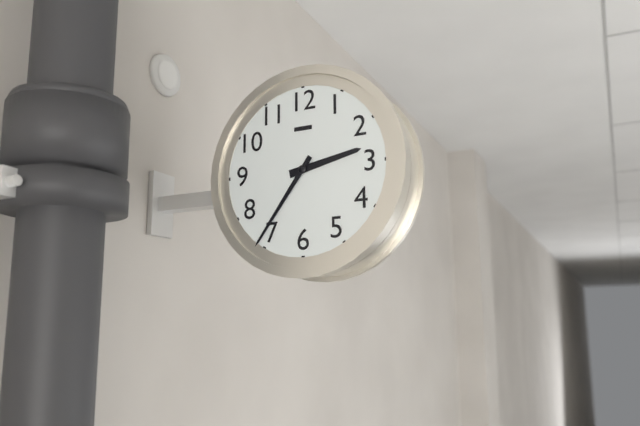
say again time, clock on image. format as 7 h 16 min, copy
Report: 2 h 36 min
